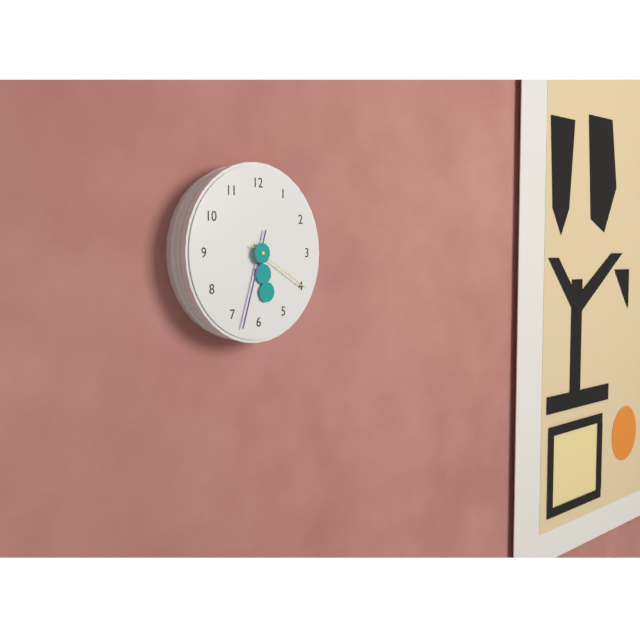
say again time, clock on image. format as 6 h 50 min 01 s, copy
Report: 5 h 33 min 20 s
